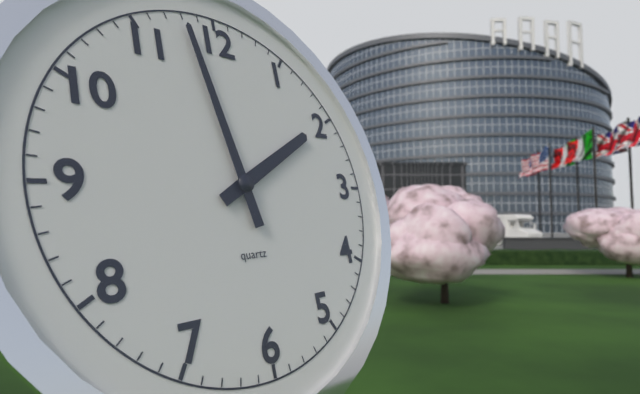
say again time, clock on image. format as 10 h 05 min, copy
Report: 1 h 58 min
